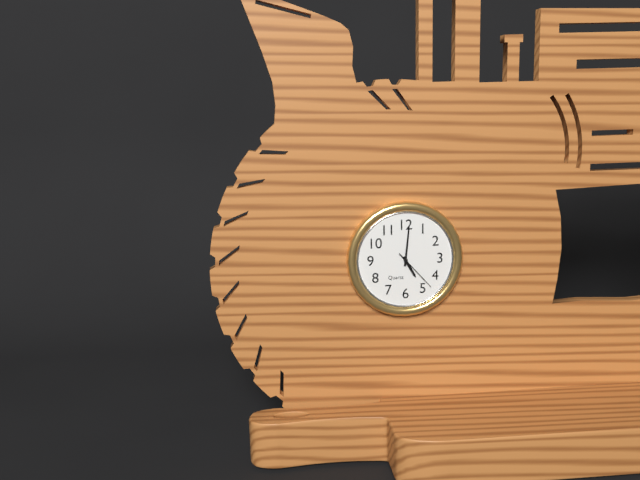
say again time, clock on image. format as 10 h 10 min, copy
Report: 5 h 01 min
